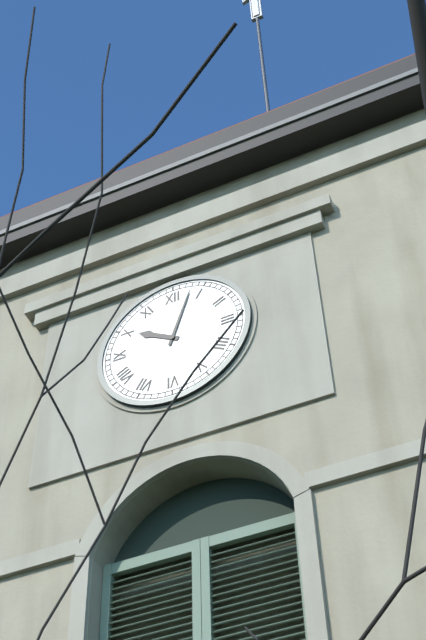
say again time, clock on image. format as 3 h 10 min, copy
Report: 10 h 03 min
